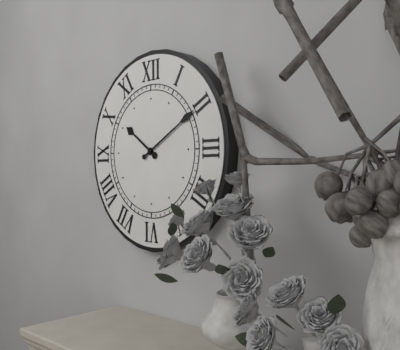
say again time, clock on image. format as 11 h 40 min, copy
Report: 10 h 10 min
